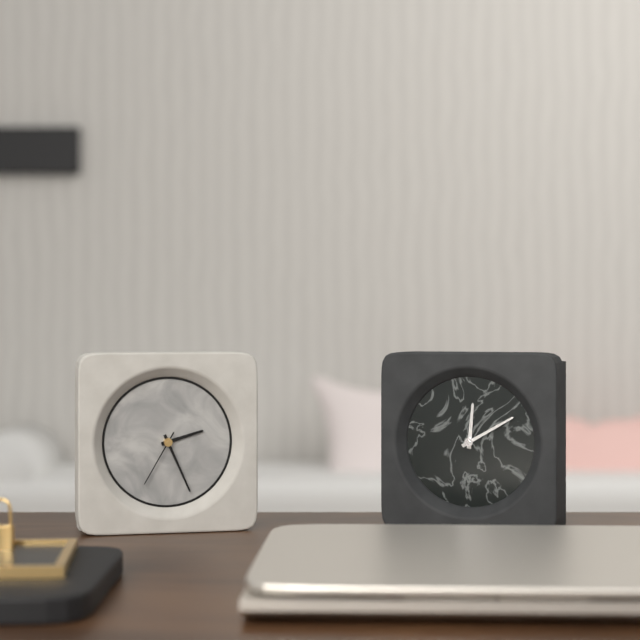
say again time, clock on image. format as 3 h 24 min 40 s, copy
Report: 2 h 26 min 35 s
